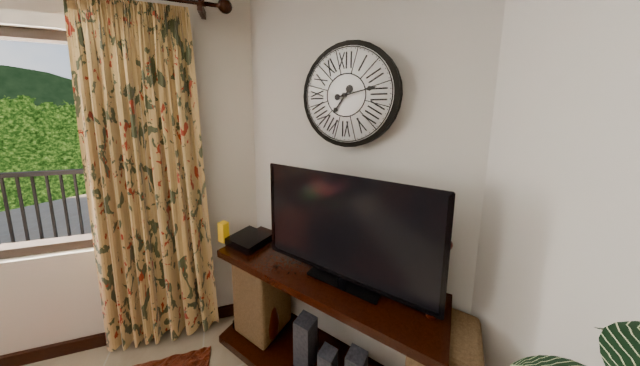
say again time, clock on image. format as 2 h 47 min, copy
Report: 7 h 13 min
